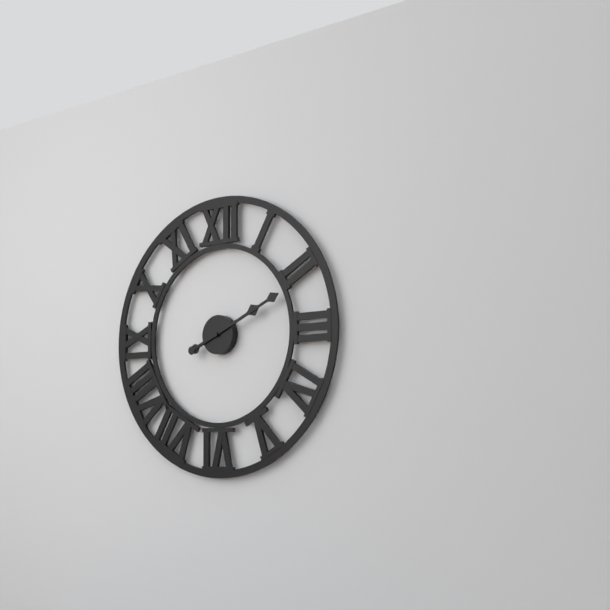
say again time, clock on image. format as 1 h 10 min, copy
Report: 2 h 11 min
